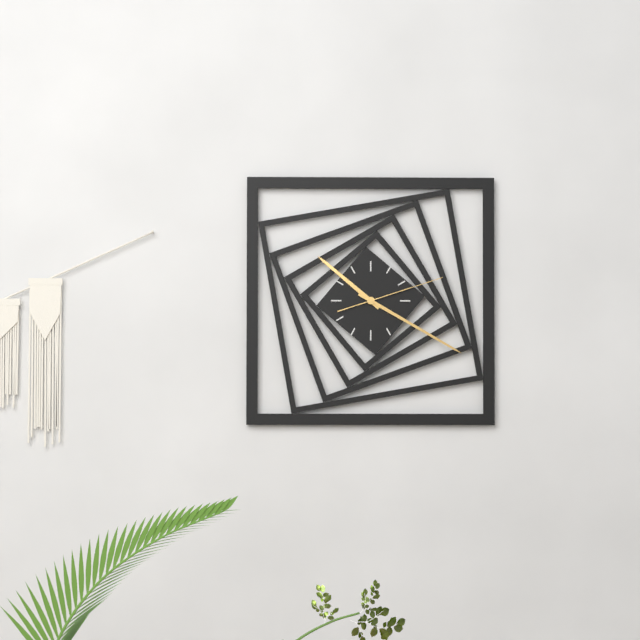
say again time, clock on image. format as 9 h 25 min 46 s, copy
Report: 10 h 20 min 12 s
